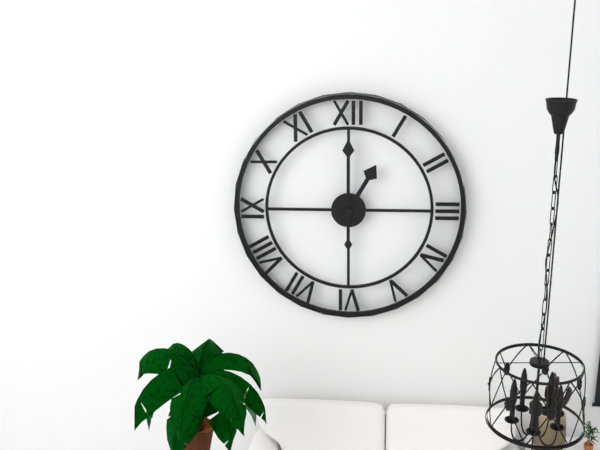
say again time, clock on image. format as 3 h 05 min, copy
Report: 1 h 00 min
